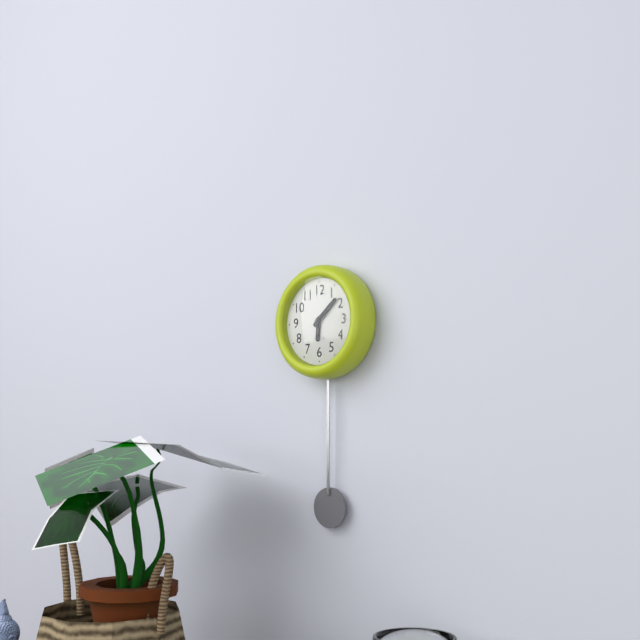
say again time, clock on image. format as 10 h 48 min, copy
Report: 6 h 08 min
